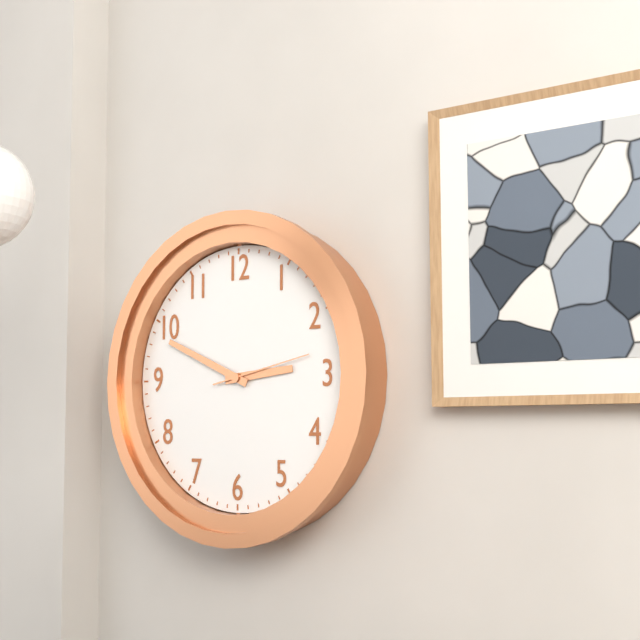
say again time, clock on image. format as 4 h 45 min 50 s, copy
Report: 2 h 49 min 13 s
